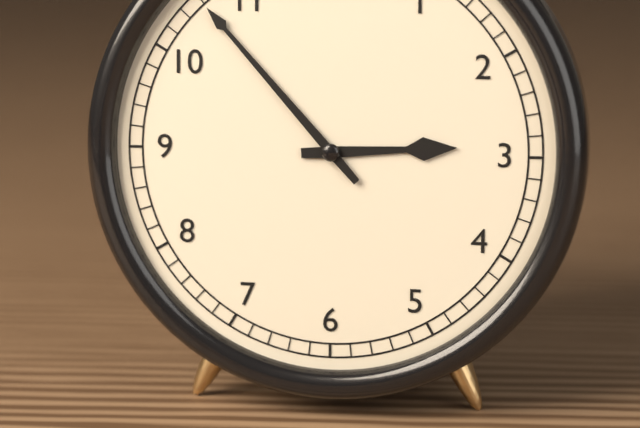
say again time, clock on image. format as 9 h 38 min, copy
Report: 2 h 53 min
